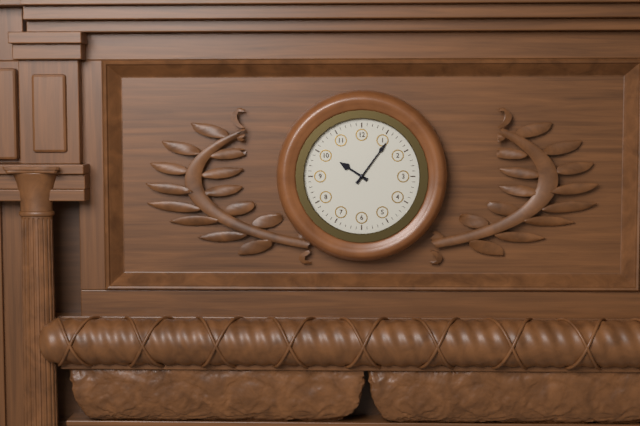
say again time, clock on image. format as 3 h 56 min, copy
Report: 10 h 06 min
